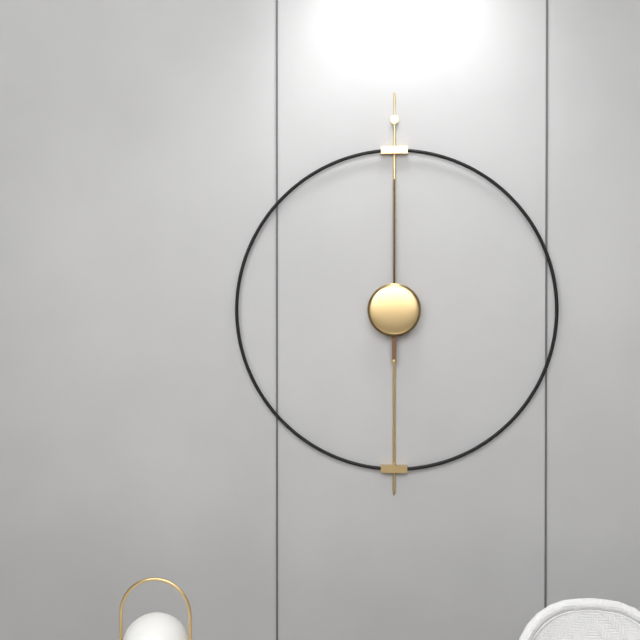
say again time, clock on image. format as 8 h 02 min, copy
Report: 12 h 00 min
